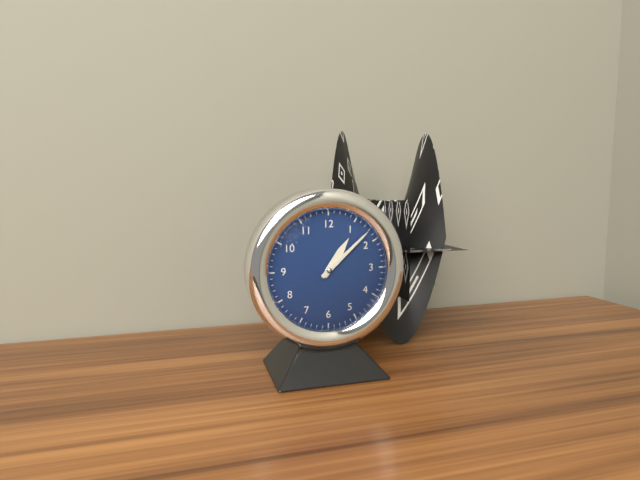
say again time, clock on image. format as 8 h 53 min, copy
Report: 1 h 08 min
